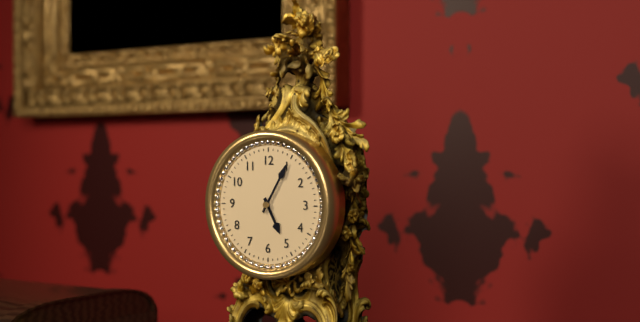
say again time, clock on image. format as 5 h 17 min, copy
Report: 5 h 05 min
